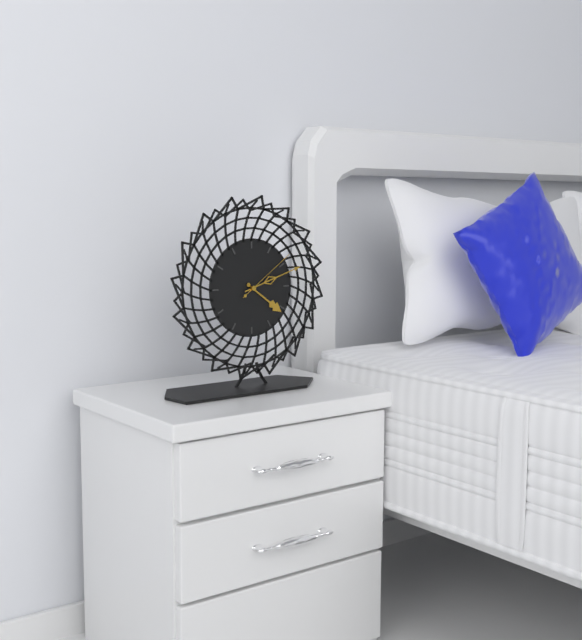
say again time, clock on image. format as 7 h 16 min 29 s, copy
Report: 4 h 12 min 09 s
